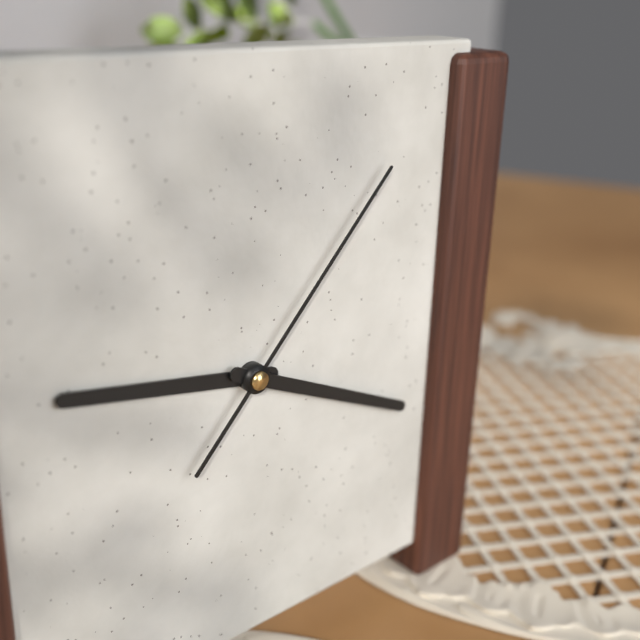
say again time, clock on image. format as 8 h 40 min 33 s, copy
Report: 9 h 19 min 07 s
